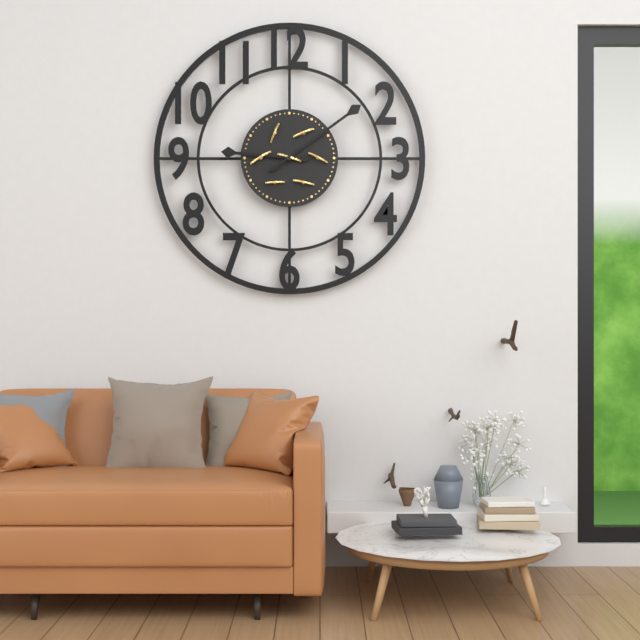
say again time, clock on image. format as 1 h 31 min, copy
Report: 9 h 09 min
